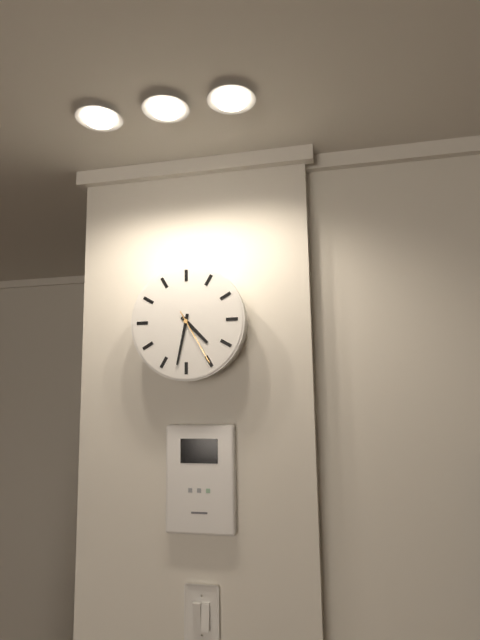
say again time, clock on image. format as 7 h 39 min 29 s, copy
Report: 4 h 32 min 25 s
